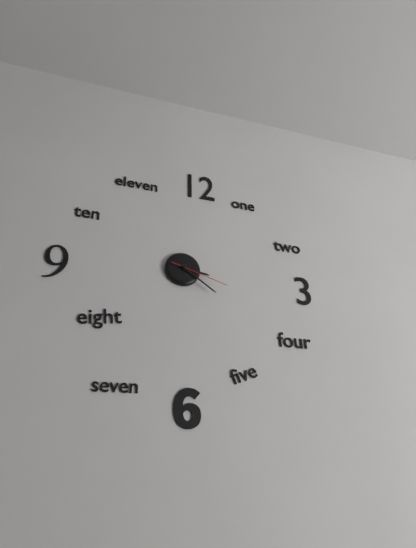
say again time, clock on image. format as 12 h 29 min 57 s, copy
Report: 3 h 21 min 18 s
